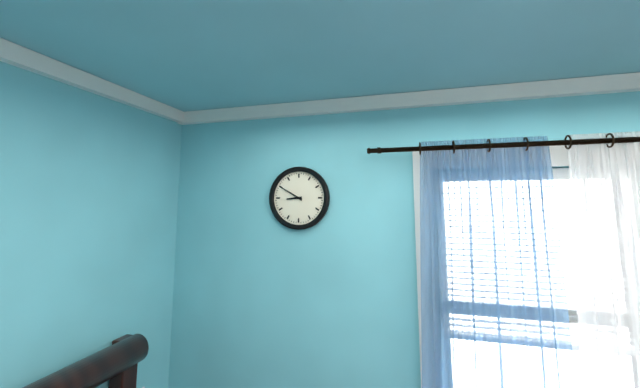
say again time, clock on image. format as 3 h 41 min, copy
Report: 8 h 50 min
